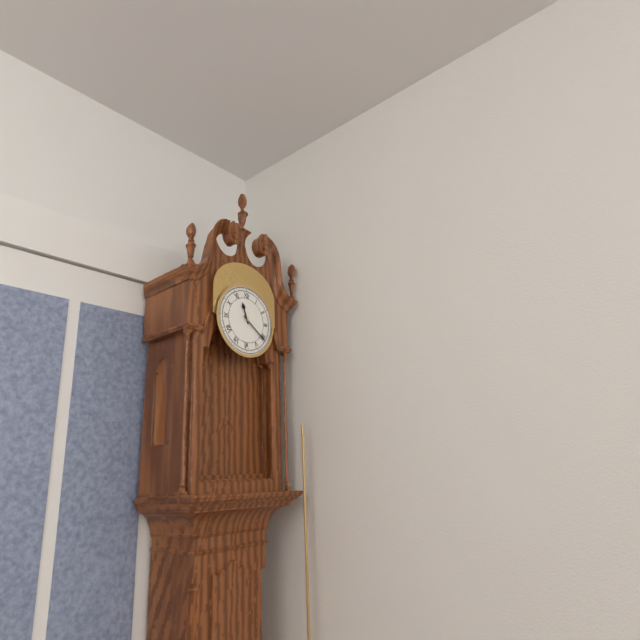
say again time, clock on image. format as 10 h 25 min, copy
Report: 11 h 21 min
